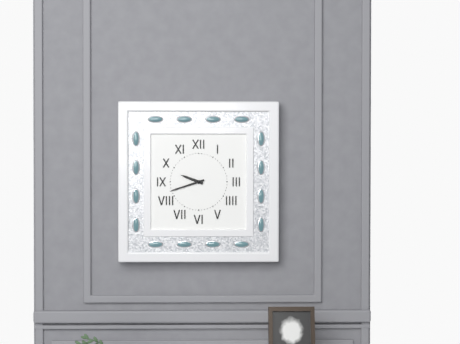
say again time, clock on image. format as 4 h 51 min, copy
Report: 9 h 42 min
